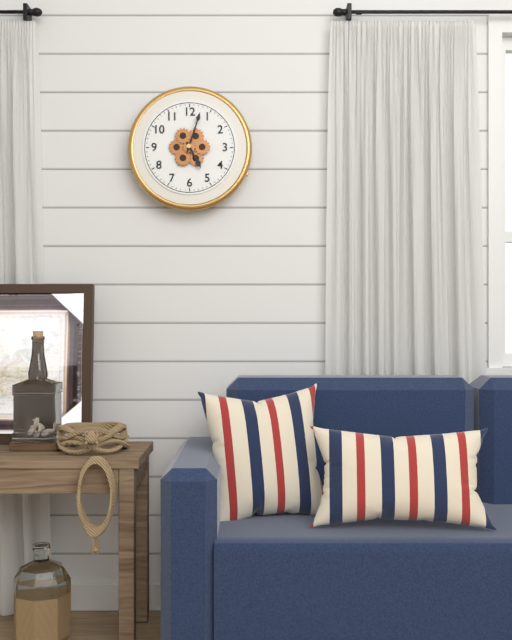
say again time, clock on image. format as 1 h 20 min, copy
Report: 5 h 03 min
